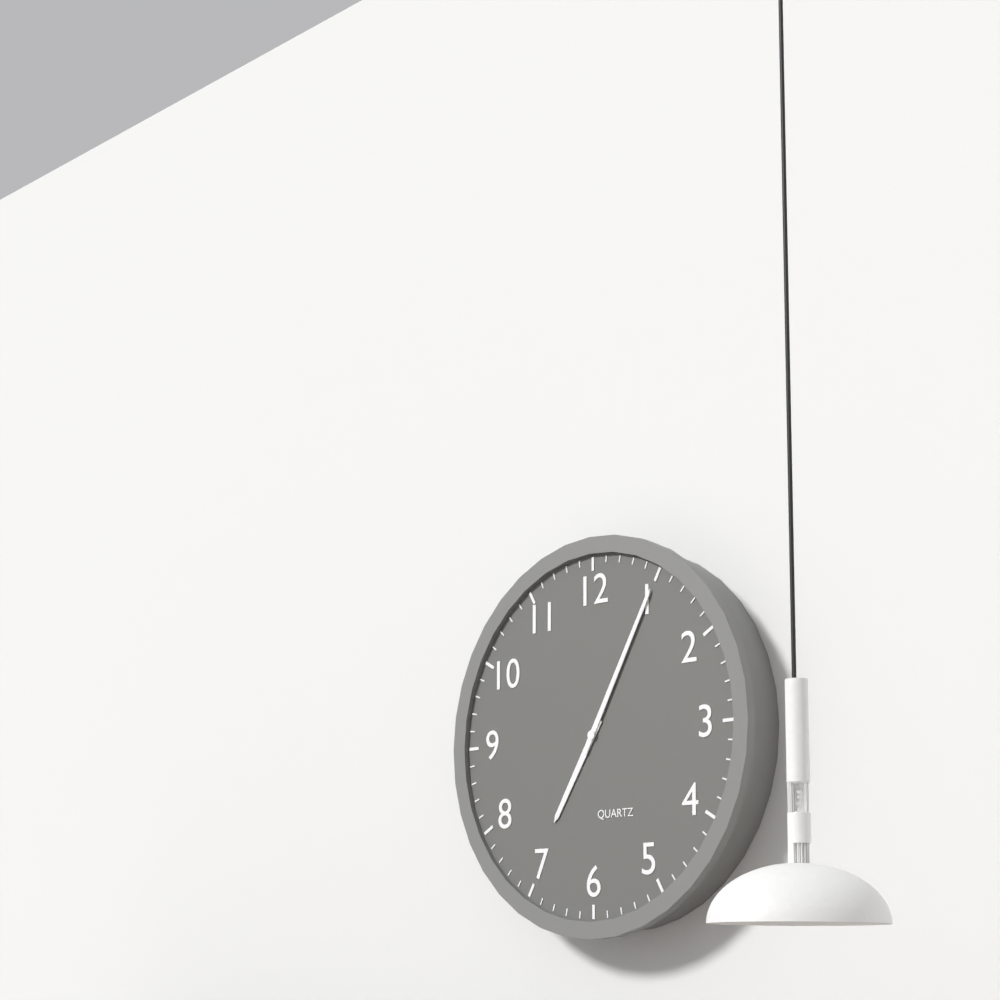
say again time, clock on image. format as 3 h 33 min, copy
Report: 7 h 05 min
